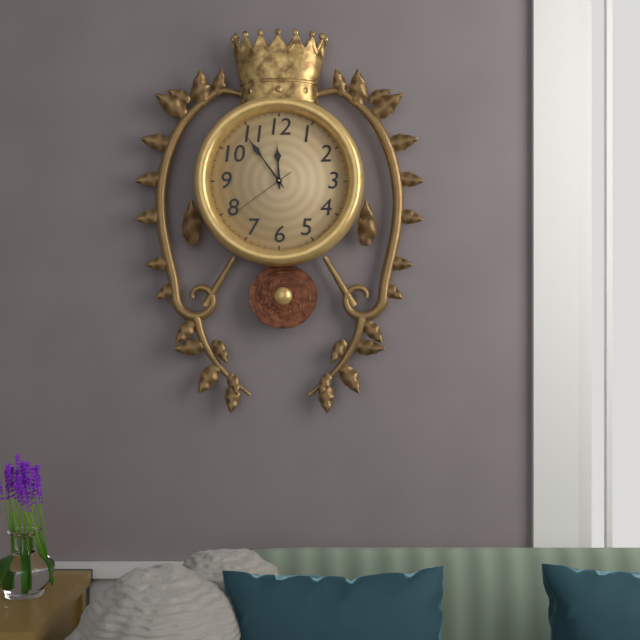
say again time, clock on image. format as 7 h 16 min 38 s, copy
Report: 11 h 54 min 39 s
